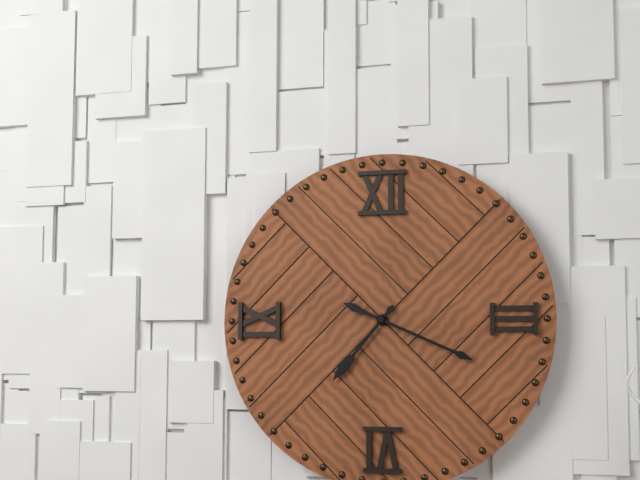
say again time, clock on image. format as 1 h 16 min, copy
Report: 7 h 19 min
